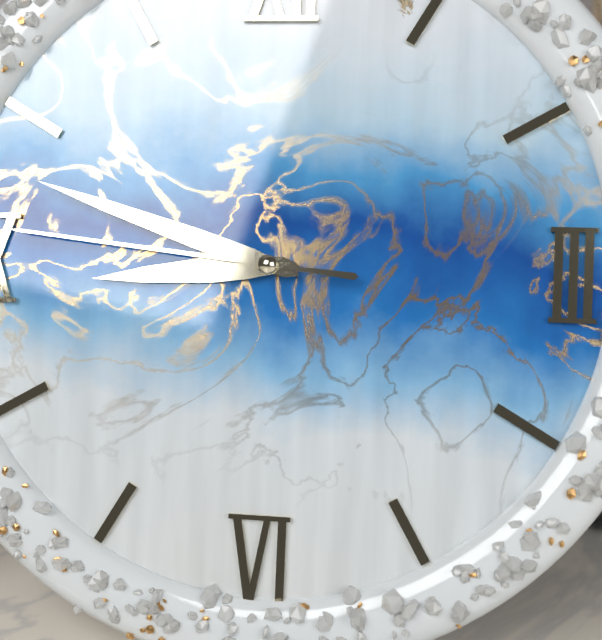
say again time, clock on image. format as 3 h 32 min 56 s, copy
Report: 8 h 48 min 46 s
